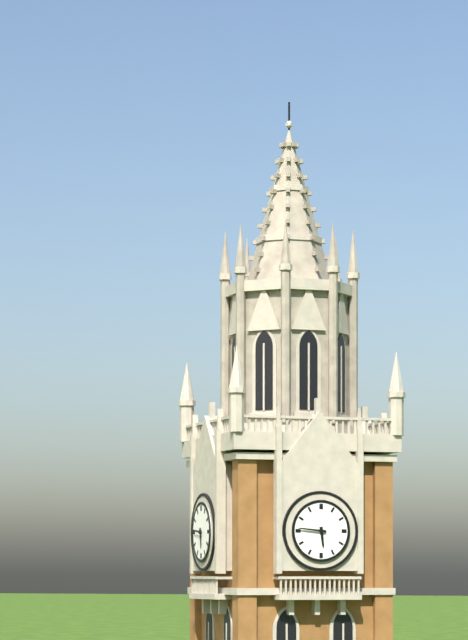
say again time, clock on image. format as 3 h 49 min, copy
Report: 5 h 46 min
